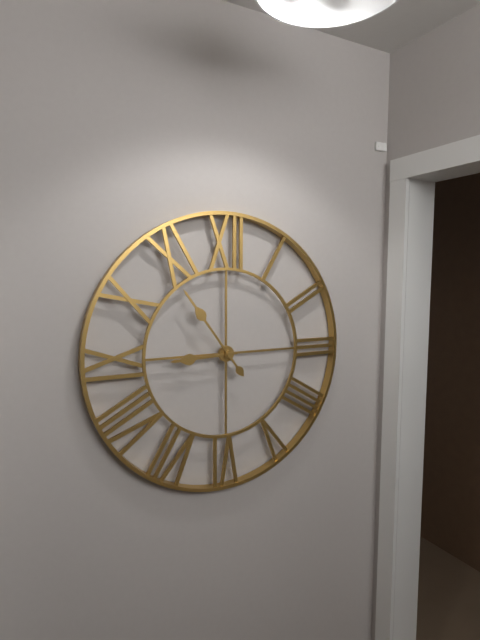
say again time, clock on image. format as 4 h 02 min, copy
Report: 8 h 54 min
